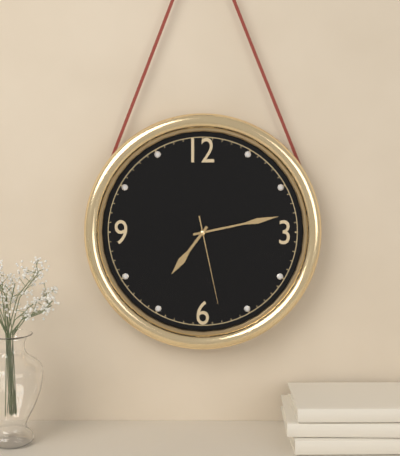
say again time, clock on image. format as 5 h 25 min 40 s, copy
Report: 7 h 13 min 28 s
